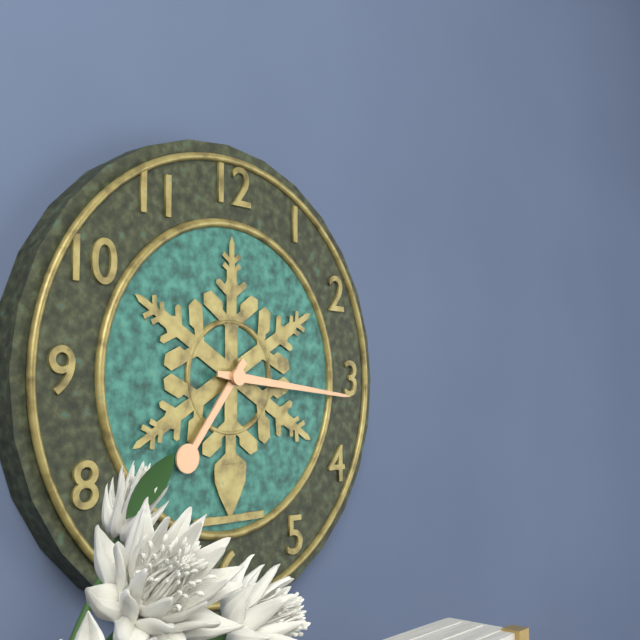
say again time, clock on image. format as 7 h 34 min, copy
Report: 7 h 16 min
